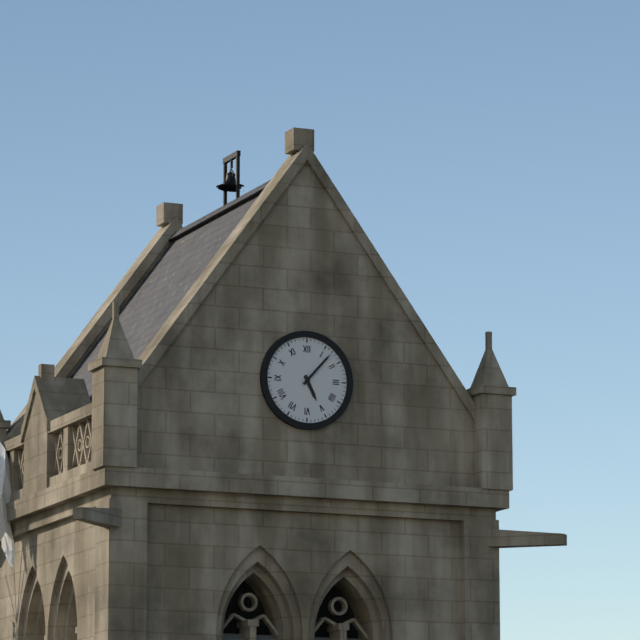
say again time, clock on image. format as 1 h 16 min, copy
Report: 5 h 07 min
